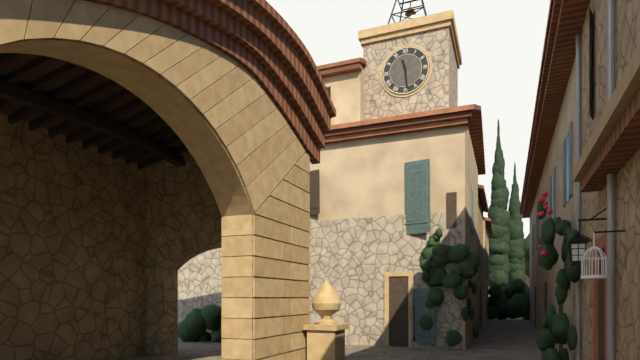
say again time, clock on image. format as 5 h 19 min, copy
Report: 11 h 29 min
